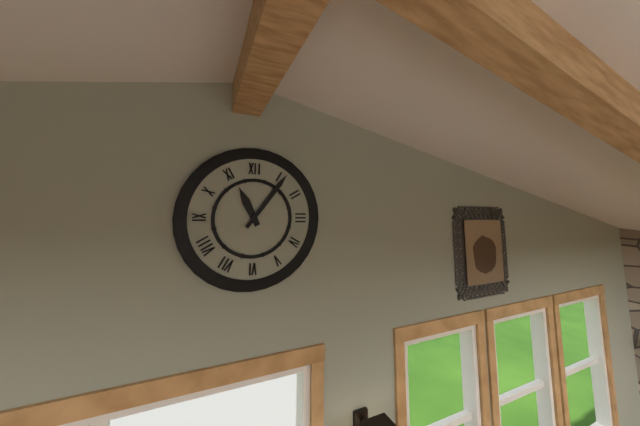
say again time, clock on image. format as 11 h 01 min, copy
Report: 11 h 06 min
